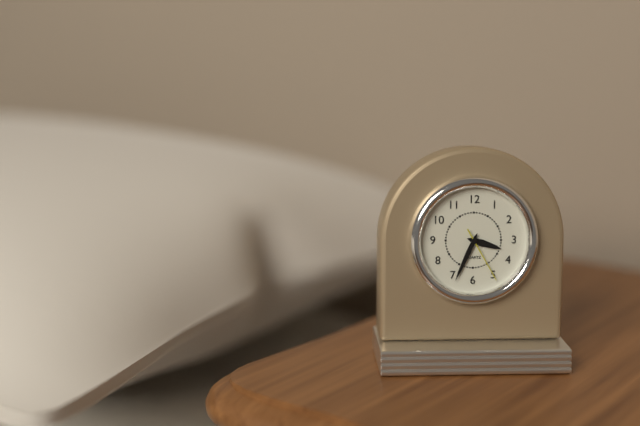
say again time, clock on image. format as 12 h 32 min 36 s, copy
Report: 3 h 34 min 25 s
